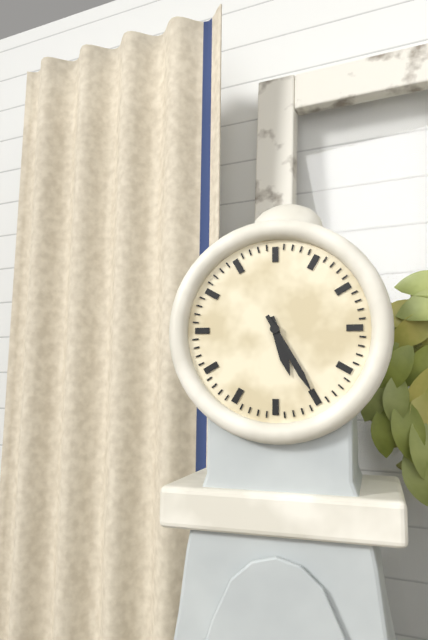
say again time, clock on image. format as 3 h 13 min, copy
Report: 5 h 25 min
